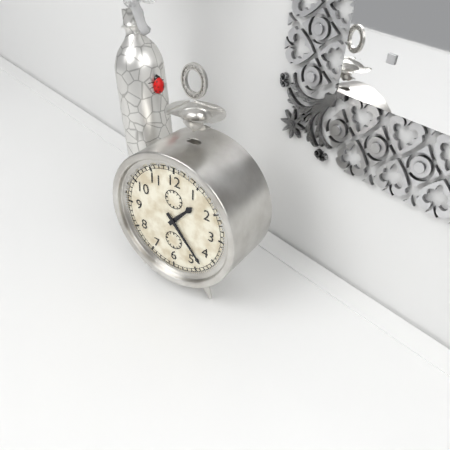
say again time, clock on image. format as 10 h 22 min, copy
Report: 1 h 23 min
